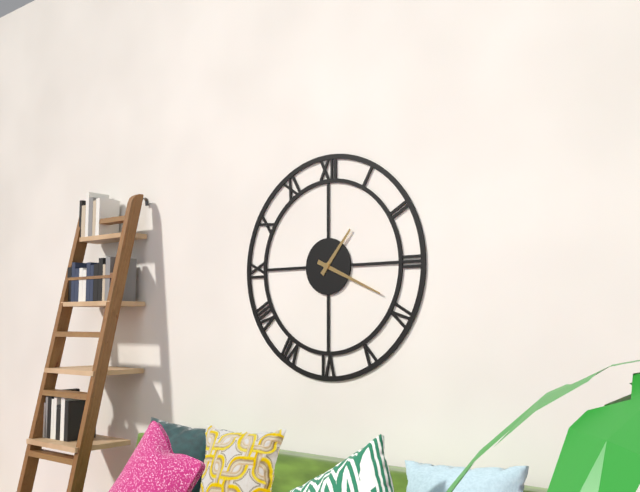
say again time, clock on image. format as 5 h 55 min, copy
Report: 1 h 19 min
